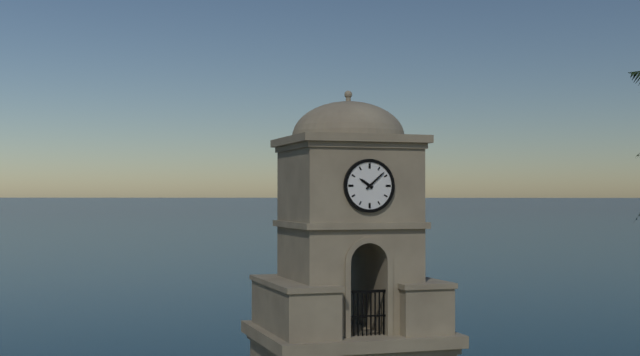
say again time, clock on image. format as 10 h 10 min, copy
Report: 10 h 08 min
